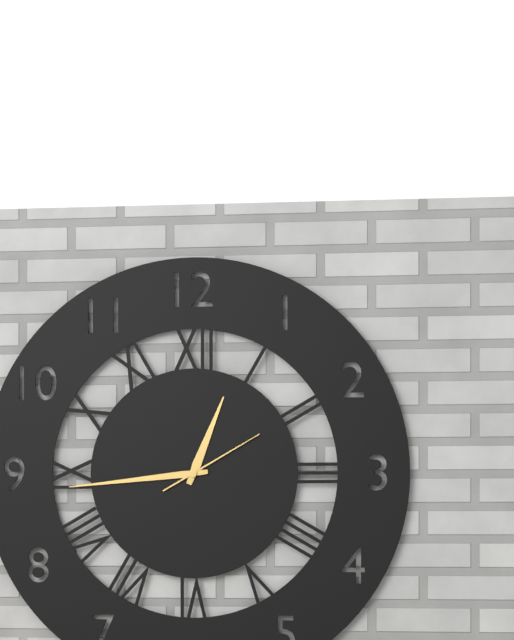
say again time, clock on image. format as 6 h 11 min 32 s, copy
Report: 12 h 44 min 10 s
